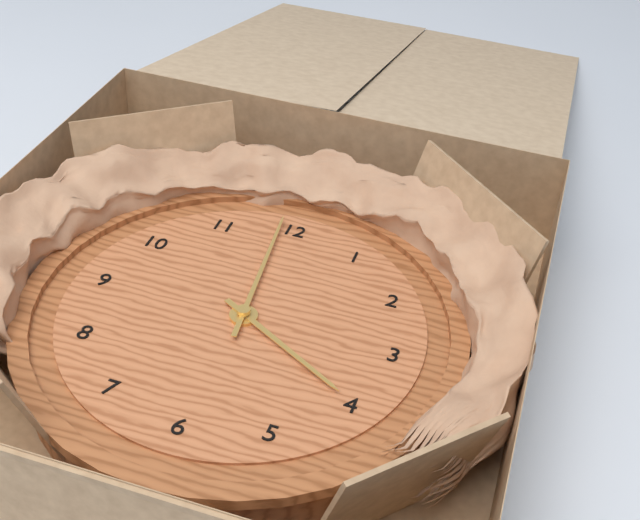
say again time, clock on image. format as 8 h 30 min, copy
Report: 3 h 59 min
